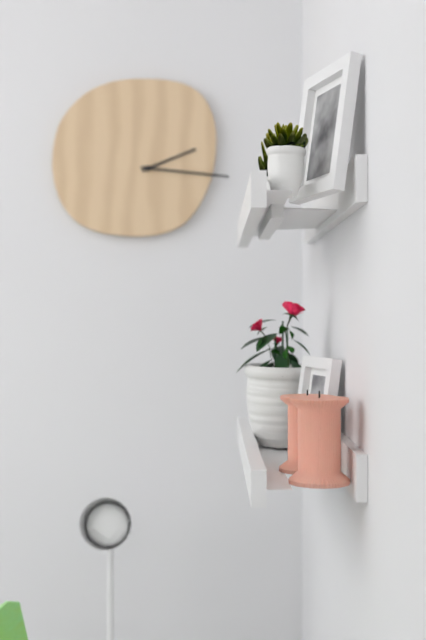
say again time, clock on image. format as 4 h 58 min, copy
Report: 2 h 16 min
